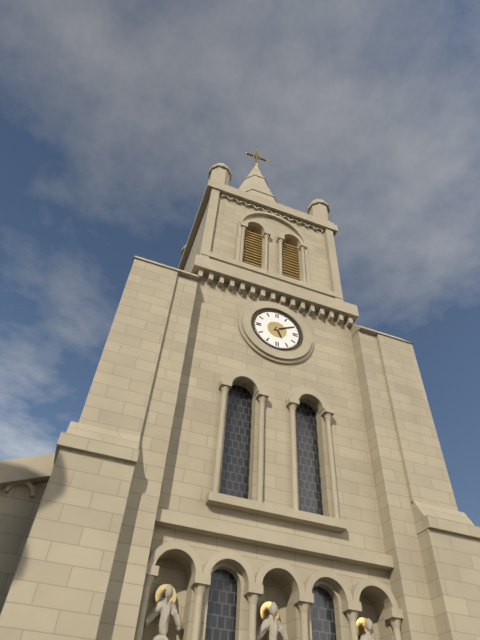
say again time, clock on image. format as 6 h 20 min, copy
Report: 5 h 10 min
